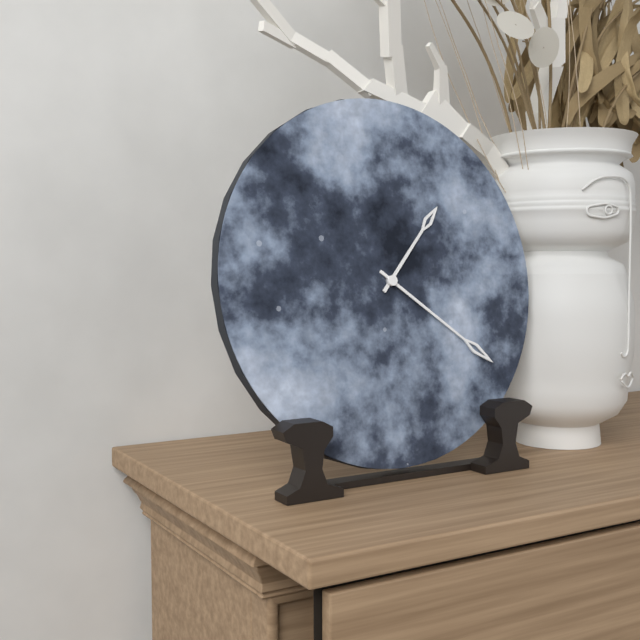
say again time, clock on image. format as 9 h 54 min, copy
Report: 1 h 21 min
